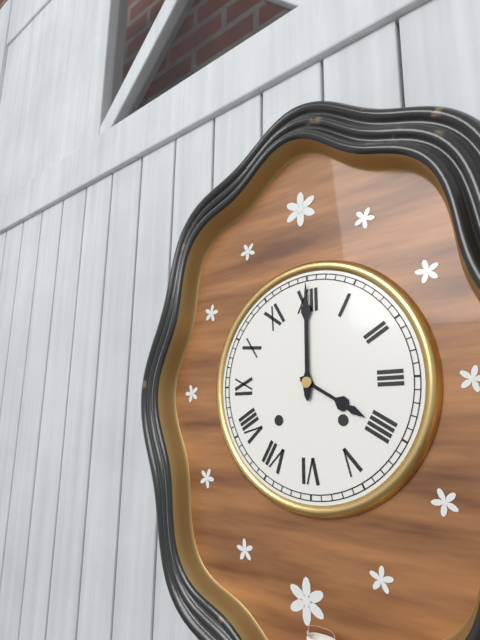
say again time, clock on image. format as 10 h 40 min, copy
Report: 4 h 00 min
